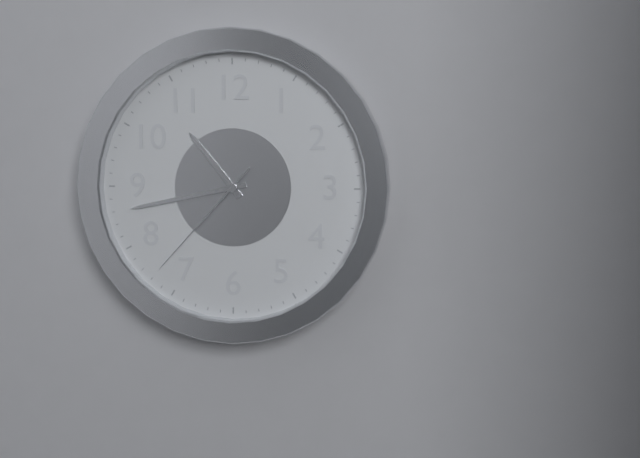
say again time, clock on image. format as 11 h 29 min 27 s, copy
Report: 10 h 43 min 37 s
